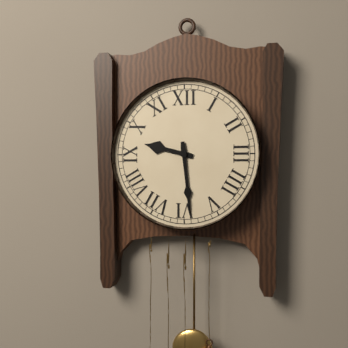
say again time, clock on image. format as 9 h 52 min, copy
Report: 9 h 29 min
